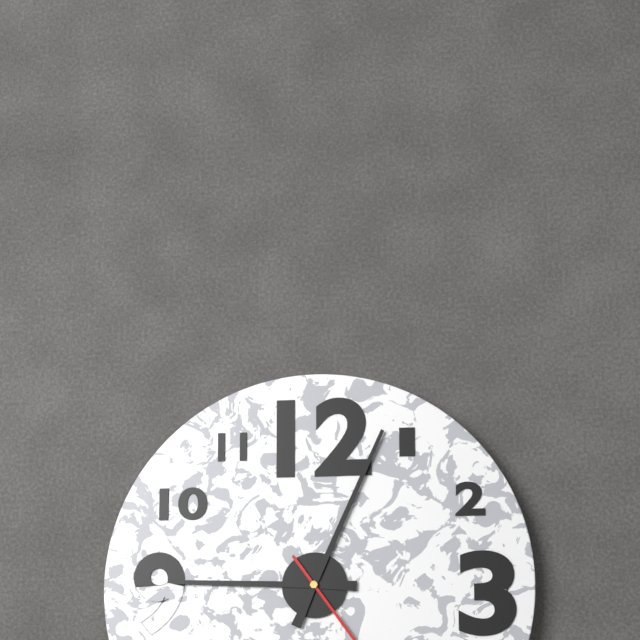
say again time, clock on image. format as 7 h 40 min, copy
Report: 9 h 04 min
